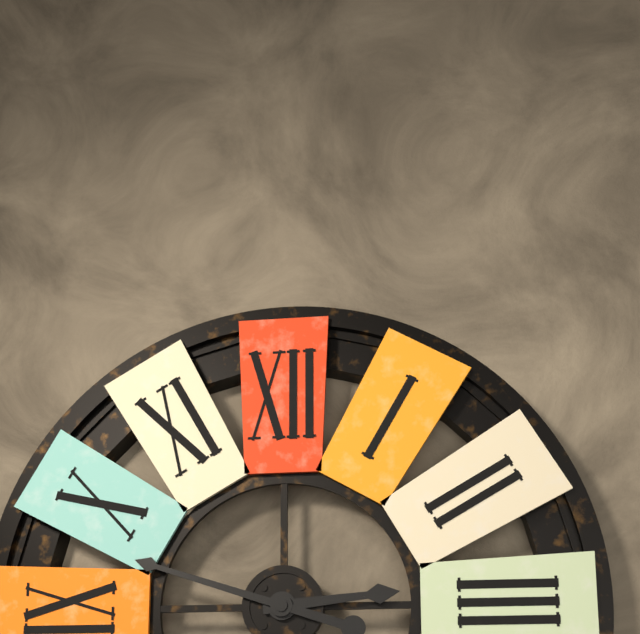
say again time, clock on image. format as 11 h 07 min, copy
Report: 2 h 48 min
